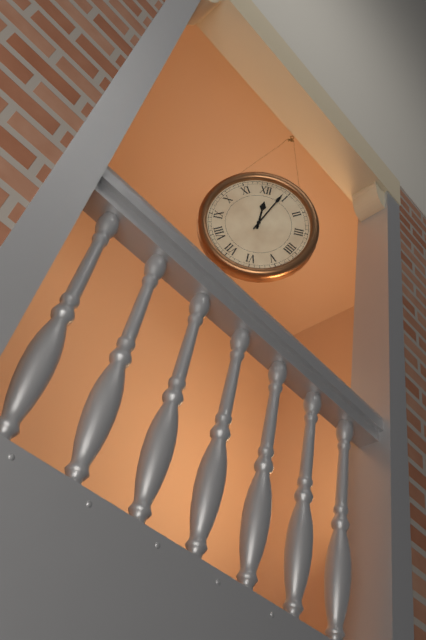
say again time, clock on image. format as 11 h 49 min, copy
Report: 12 h 04 min
